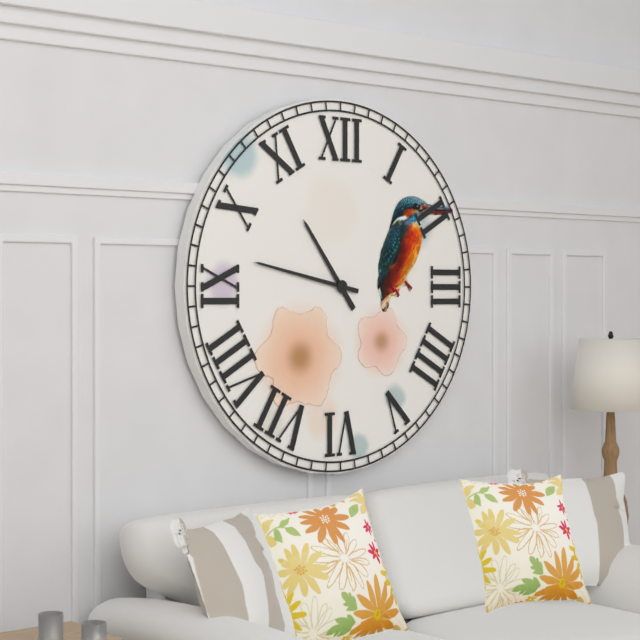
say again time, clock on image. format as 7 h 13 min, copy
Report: 10 h 47 min
